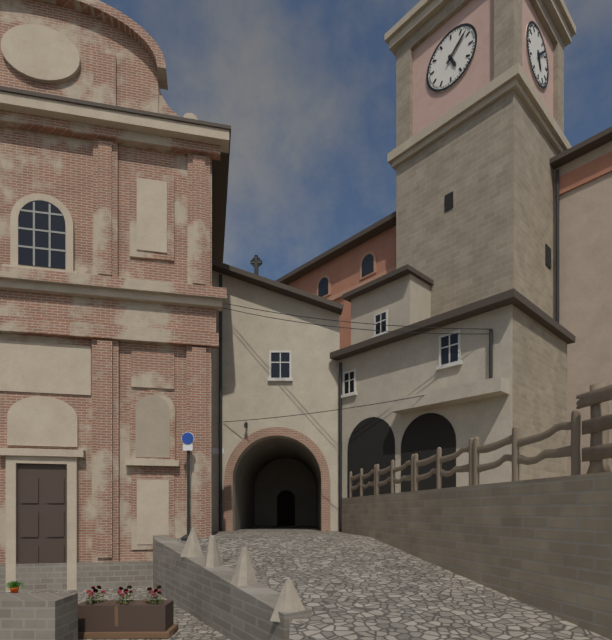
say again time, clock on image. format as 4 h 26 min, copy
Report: 5 h 08 min
